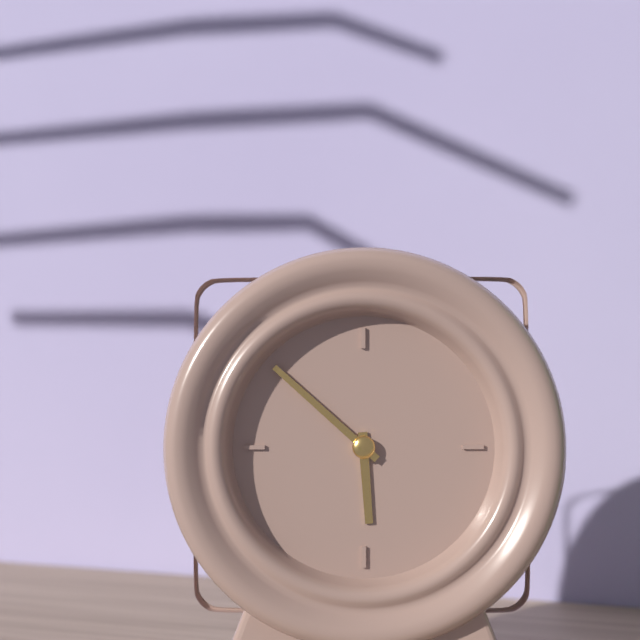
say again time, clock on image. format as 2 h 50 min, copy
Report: 5 h 52 min
